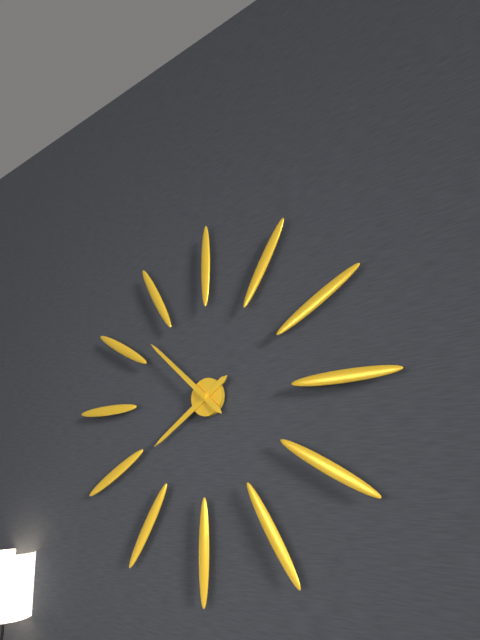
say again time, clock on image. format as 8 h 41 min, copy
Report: 7 h 52 min
